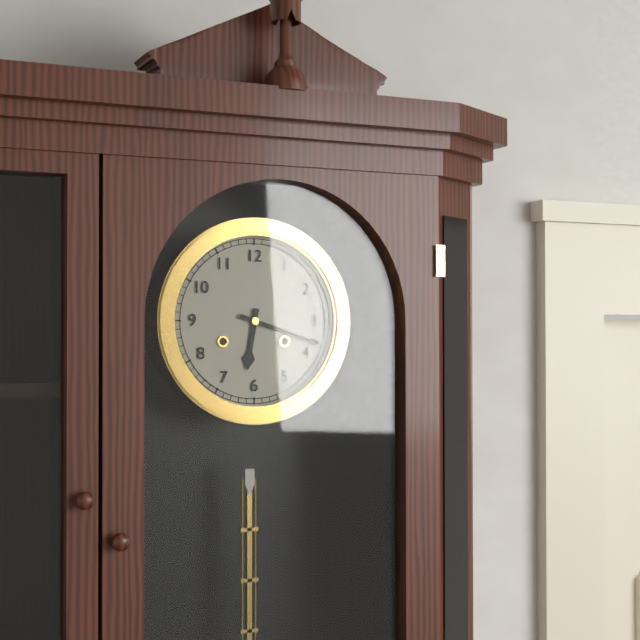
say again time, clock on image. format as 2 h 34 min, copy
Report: 6 h 18 min
